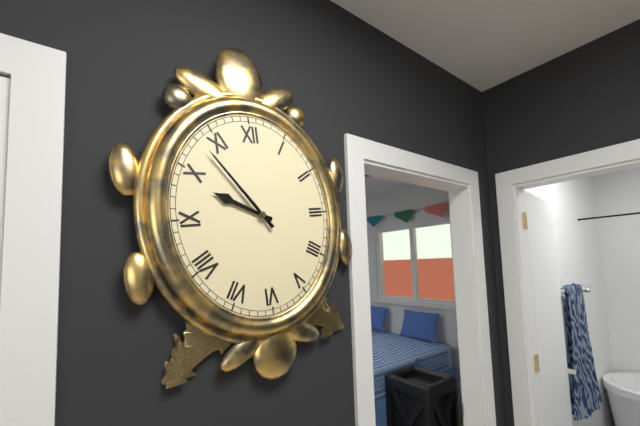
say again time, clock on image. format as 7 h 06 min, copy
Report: 9 h 54 min
